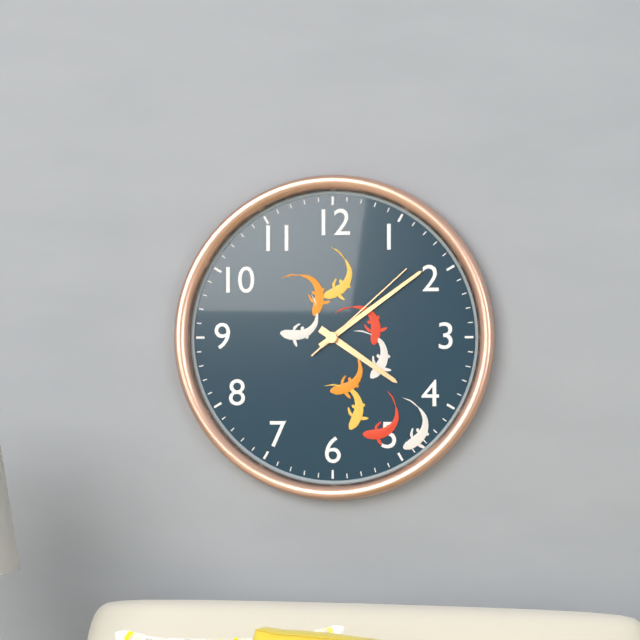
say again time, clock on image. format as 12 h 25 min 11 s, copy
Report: 4 h 09 min 08 s
